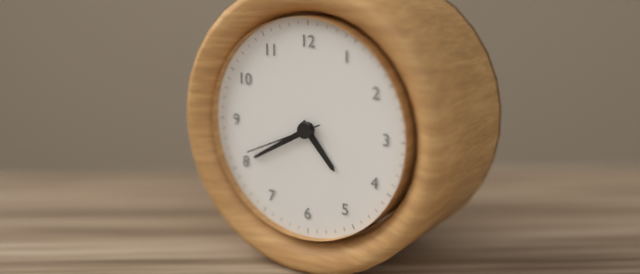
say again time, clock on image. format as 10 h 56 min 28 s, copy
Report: 4 h 40 min 41 s
